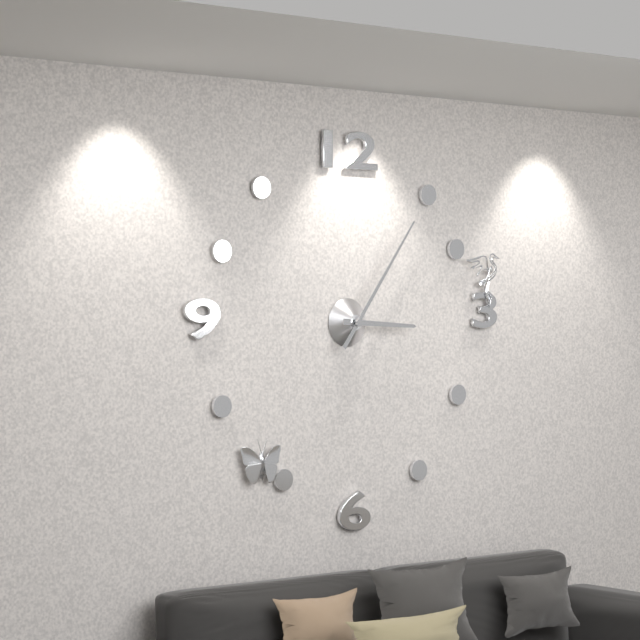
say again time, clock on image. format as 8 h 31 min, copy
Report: 3 h 06 min
